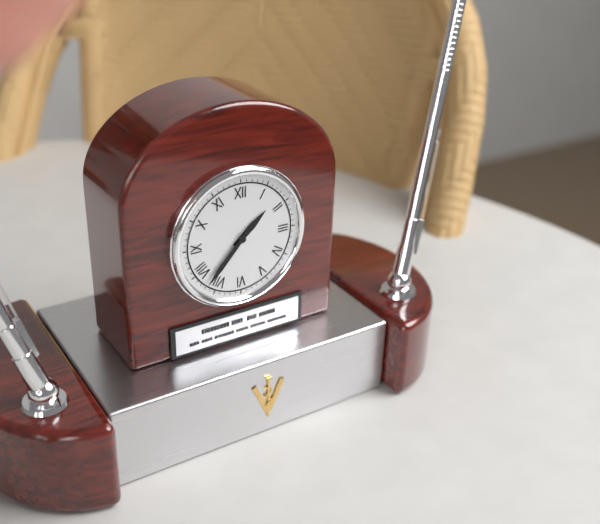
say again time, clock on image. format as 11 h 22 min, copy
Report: 1 h 37 min
